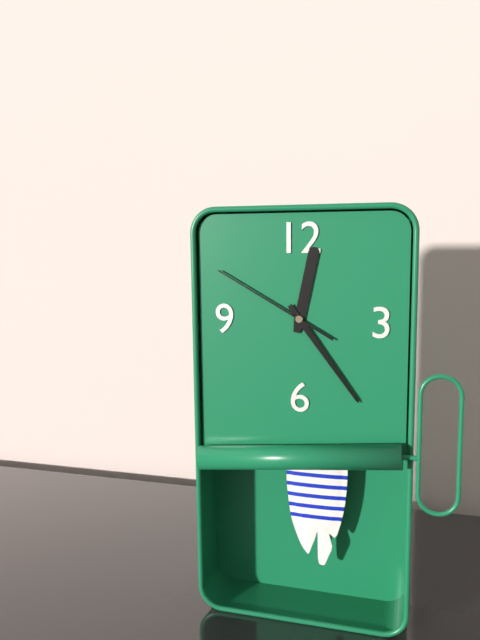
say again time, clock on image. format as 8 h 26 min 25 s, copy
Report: 12 h 24 min 50 s
